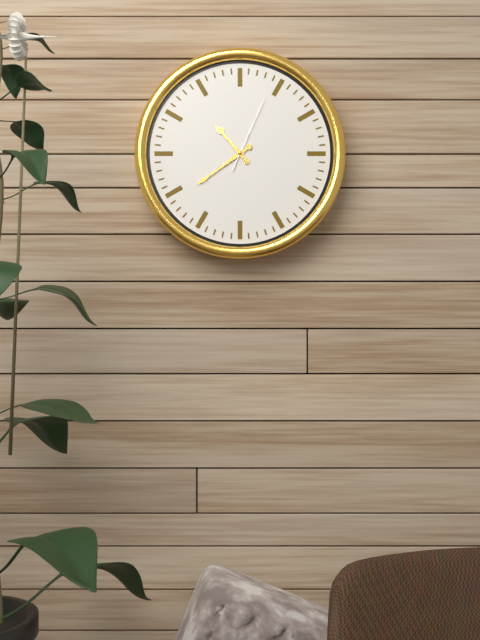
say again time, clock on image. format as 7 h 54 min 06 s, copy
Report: 10 h 39 min 04 s
